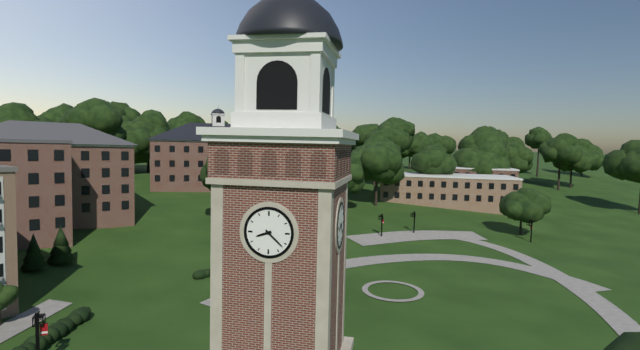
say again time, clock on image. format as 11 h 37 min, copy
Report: 8 h 22 min
